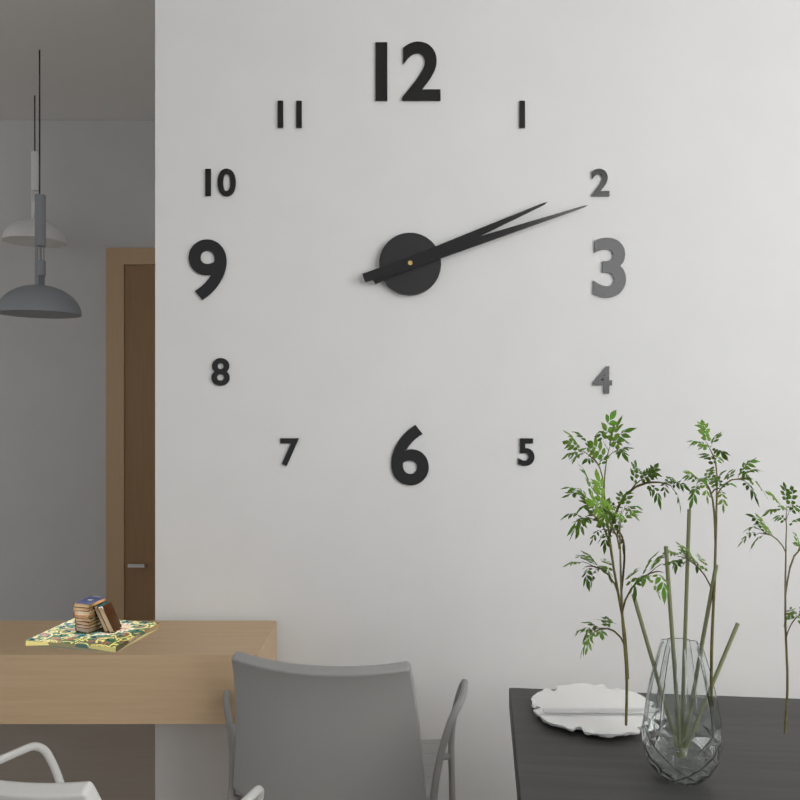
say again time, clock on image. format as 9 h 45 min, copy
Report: 2 h 12 min
